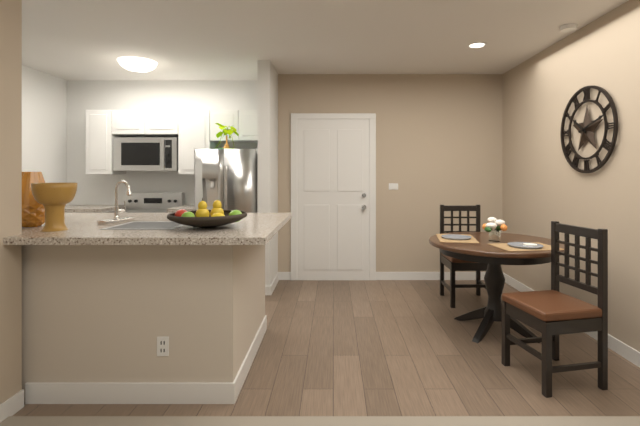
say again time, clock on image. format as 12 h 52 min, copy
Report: 10 h 12 min
